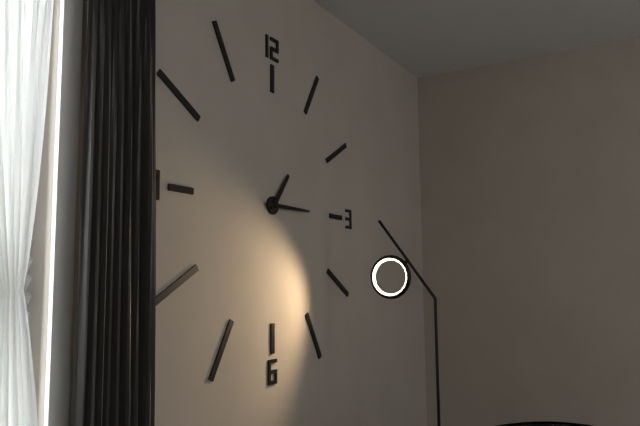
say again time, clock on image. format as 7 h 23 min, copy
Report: 1 h 15 min
